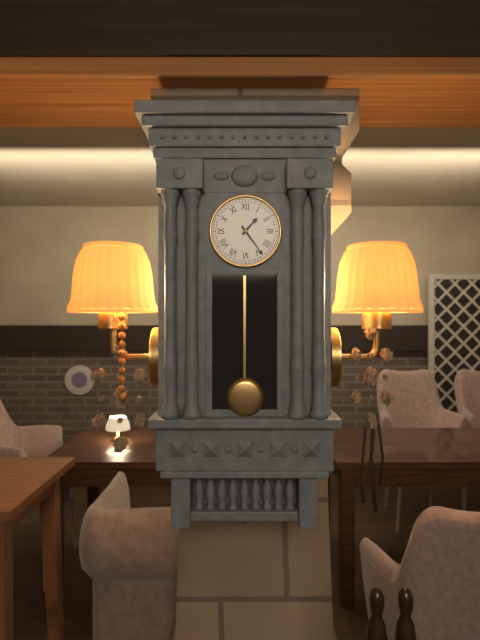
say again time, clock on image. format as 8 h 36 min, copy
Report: 1 h 24 min
